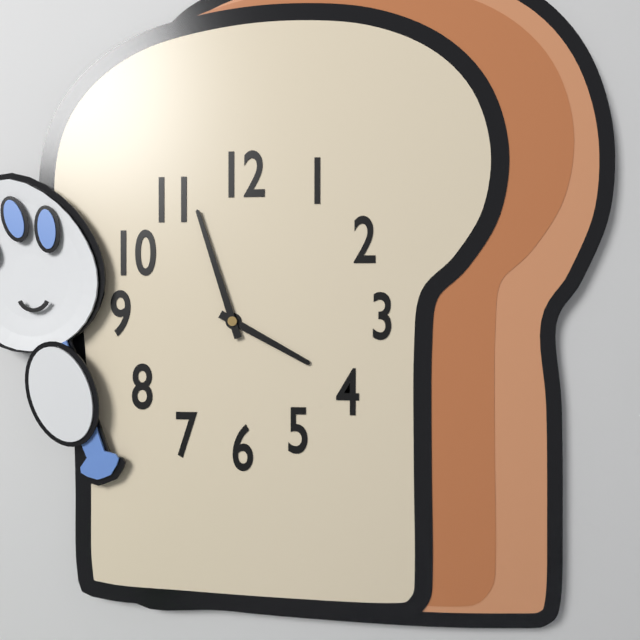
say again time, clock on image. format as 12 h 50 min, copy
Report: 3 h 57 min
